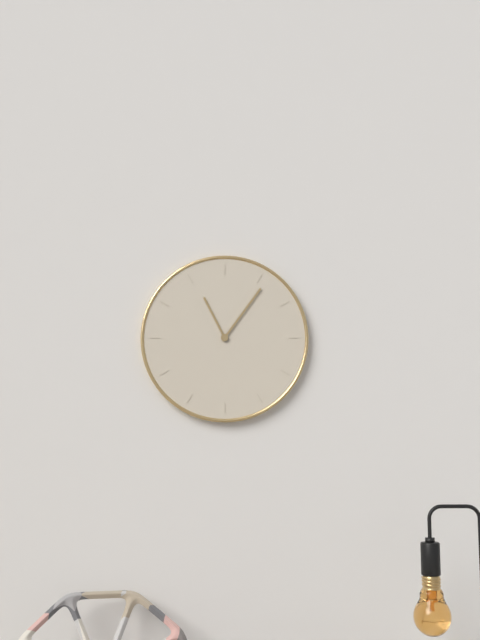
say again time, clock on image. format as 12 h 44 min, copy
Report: 11 h 06 min
